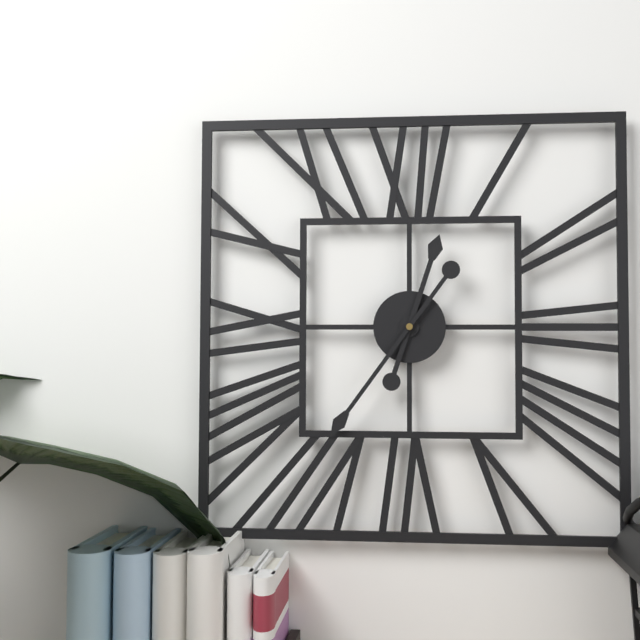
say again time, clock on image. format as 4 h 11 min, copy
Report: 12 h 36 min
